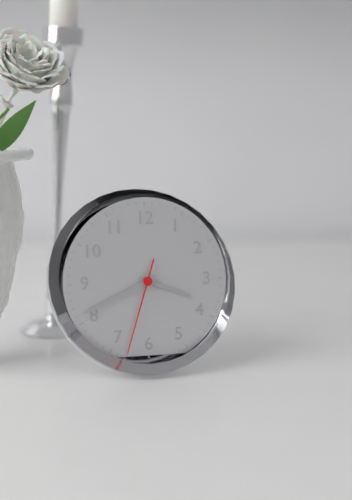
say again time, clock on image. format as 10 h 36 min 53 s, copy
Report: 3 h 41 min 33 s
